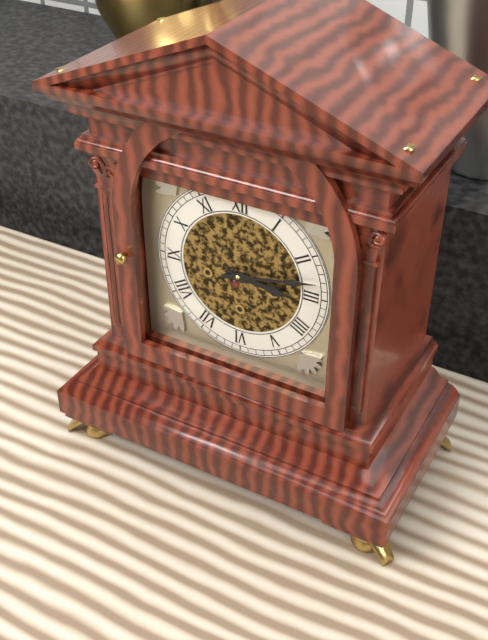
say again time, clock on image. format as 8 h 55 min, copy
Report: 3 h 13 min
